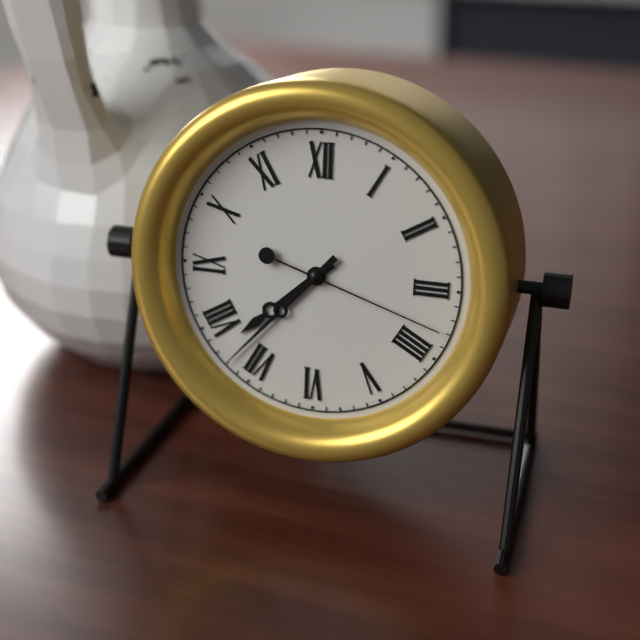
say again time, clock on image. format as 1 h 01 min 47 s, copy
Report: 7 h 37 min 18 s
